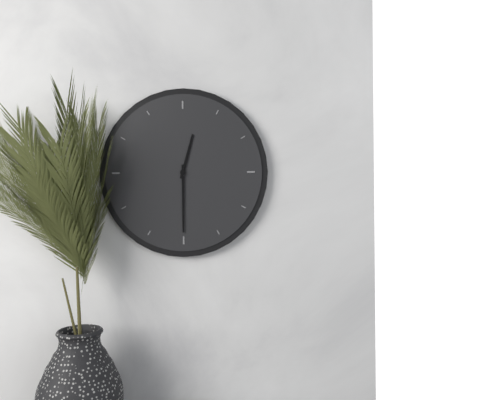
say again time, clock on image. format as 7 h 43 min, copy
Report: 12 h 30 min
